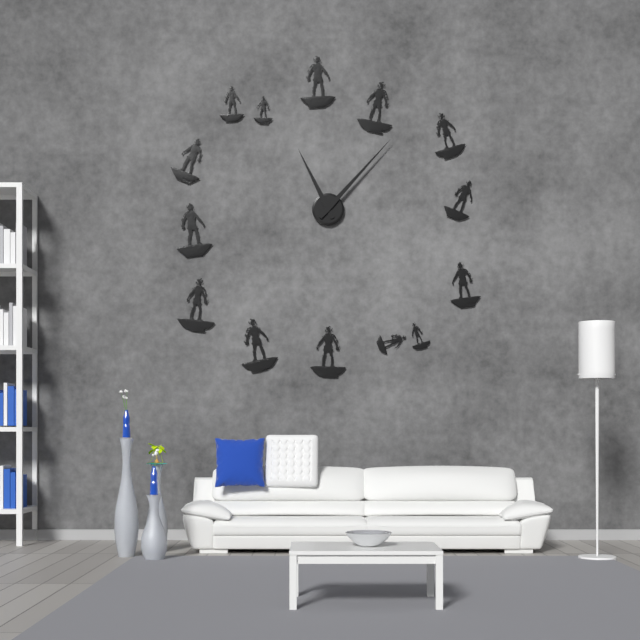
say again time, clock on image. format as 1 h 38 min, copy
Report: 11 h 07 min
